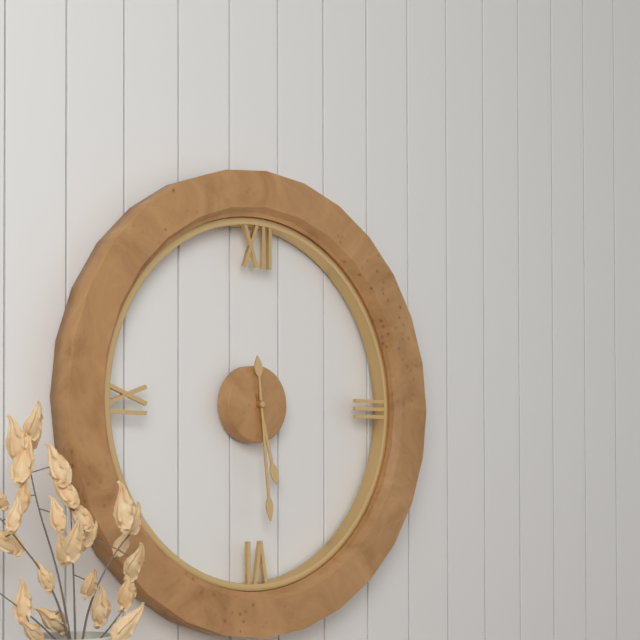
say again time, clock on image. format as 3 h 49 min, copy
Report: 5 h 29 min
